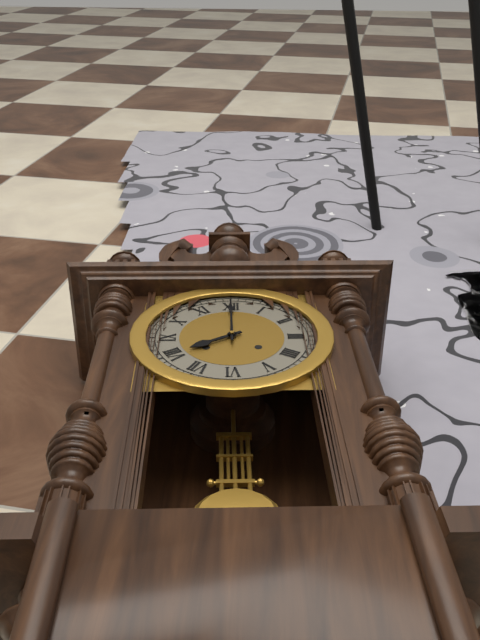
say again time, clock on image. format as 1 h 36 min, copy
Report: 8 h 00 min
